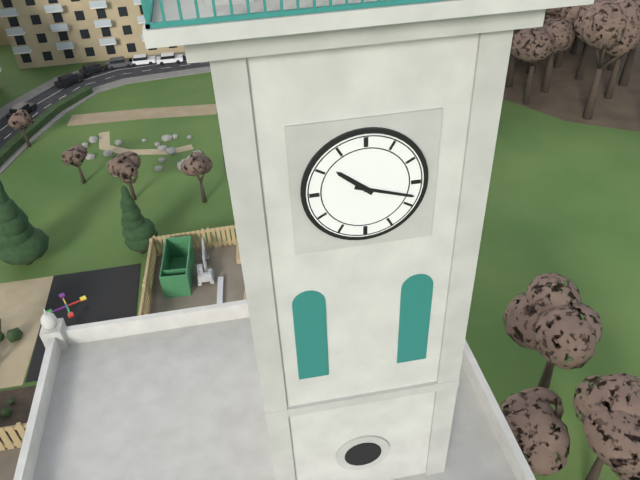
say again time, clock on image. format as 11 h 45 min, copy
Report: 10 h 18 min
